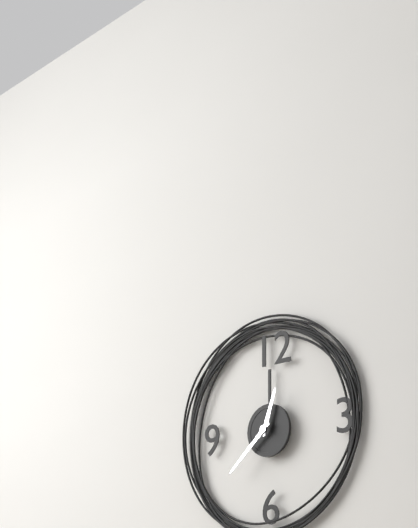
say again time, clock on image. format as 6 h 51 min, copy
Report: 12 h 38 min
